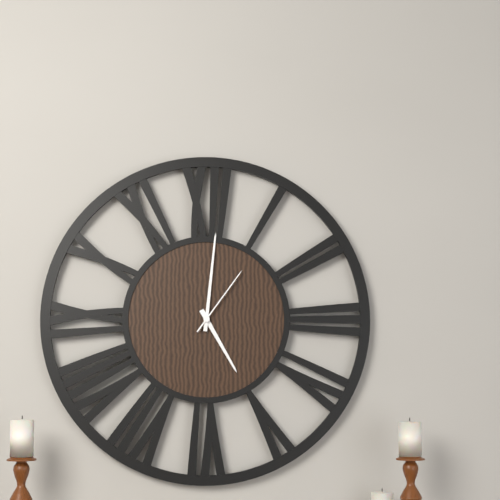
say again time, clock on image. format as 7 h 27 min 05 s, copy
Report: 5 h 01 min 06 s
